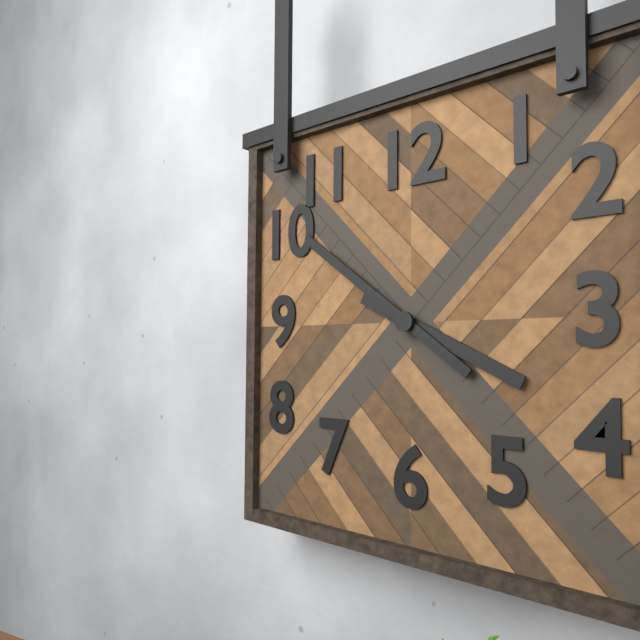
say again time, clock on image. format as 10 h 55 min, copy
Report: 3 h 51 min
